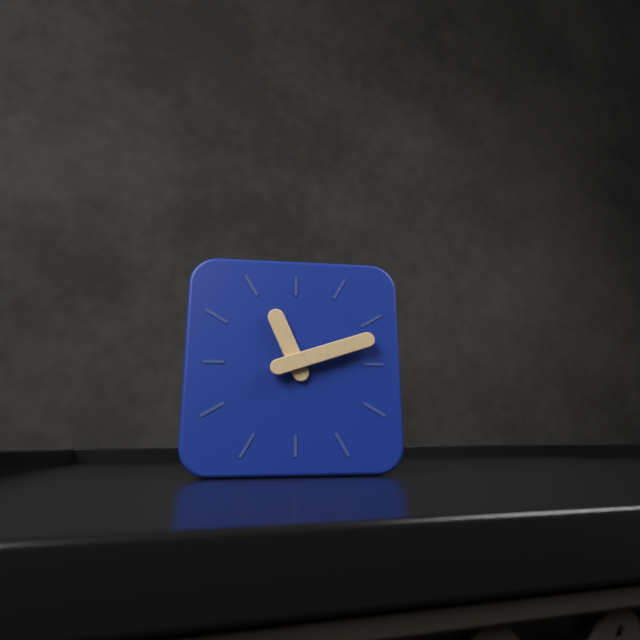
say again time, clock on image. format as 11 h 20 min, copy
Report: 11 h 12 min
